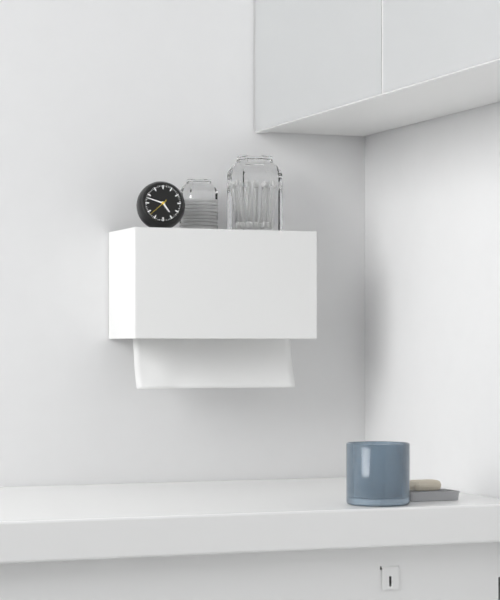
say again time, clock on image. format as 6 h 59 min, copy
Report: 4 h 48 min
